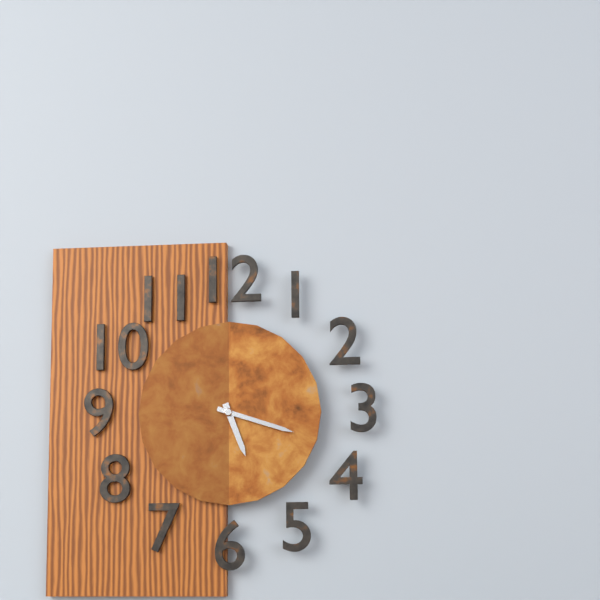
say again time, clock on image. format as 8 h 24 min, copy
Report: 5 h 18 min
